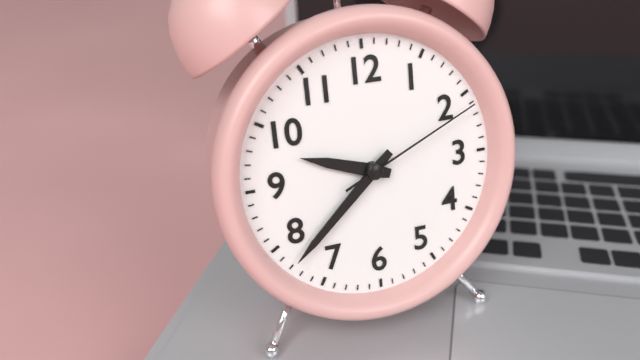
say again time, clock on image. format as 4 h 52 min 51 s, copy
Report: 9 h 38 min 11 s
